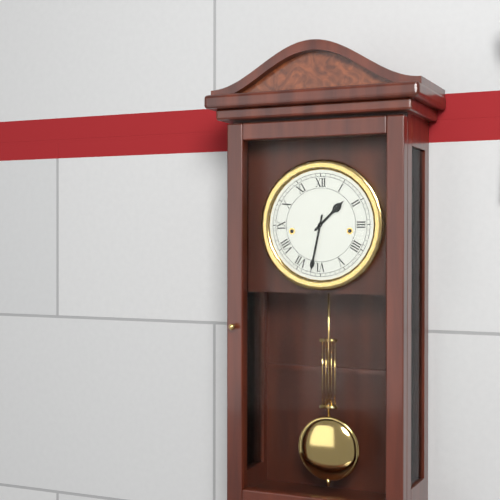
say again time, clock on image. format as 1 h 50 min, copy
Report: 1 h 32 min
